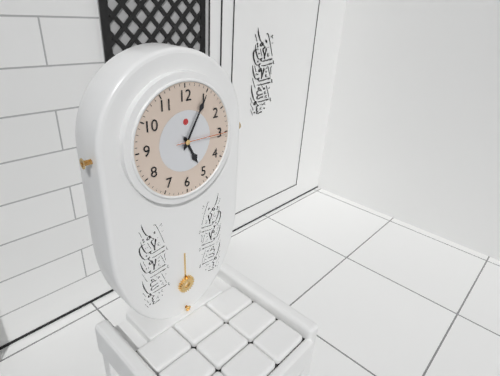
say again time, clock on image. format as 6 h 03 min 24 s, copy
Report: 5 h 05 min 15 s
